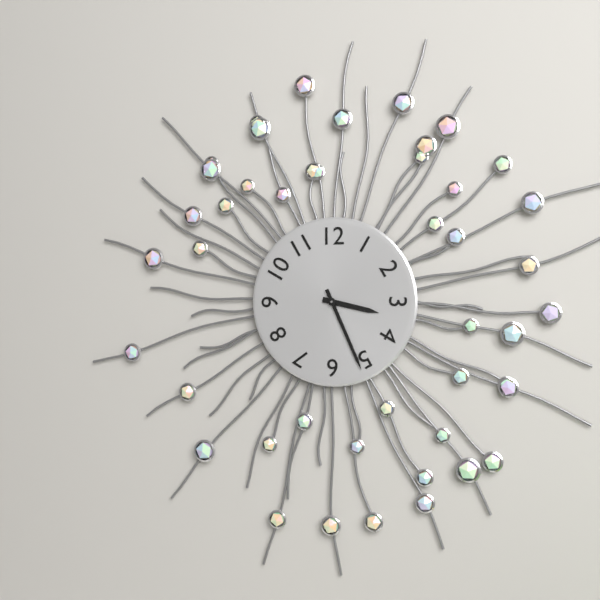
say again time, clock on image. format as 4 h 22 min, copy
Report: 3 h 26 min
